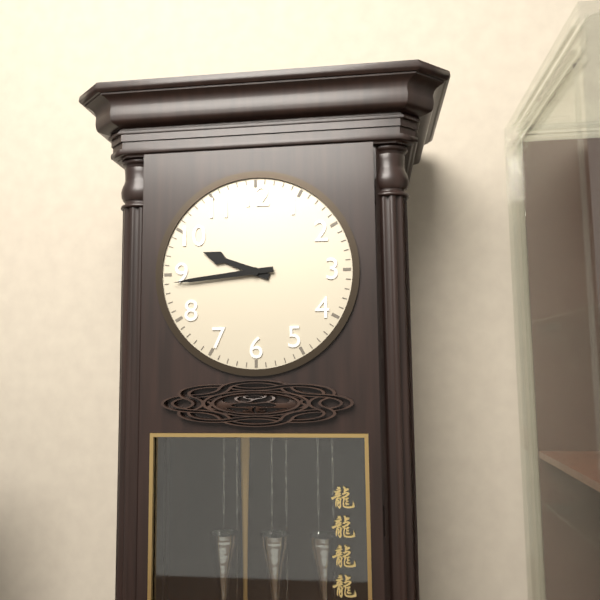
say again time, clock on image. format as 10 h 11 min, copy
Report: 9 h 44 min
